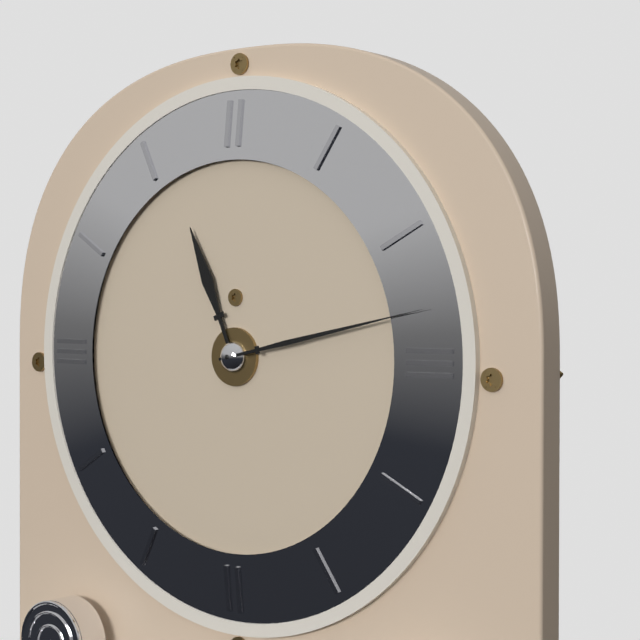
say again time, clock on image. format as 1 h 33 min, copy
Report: 11 h 13 min
